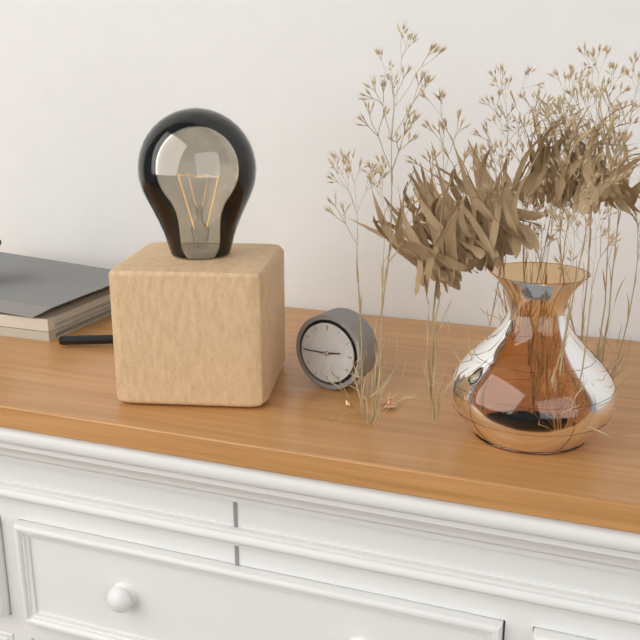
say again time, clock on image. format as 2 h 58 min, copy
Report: 2 h 45 min
